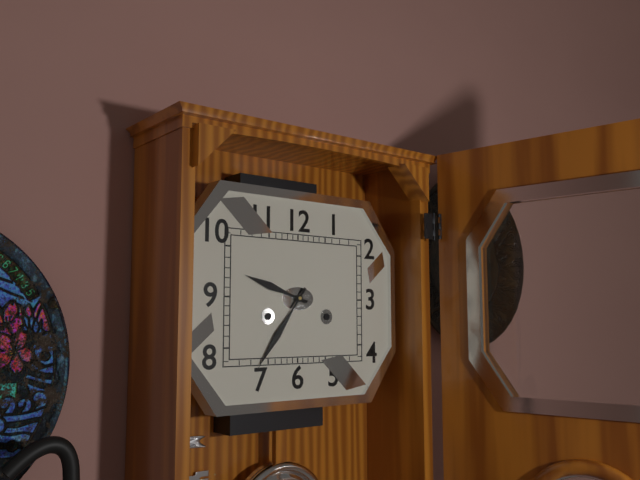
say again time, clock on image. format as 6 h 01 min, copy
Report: 9 h 36 min
